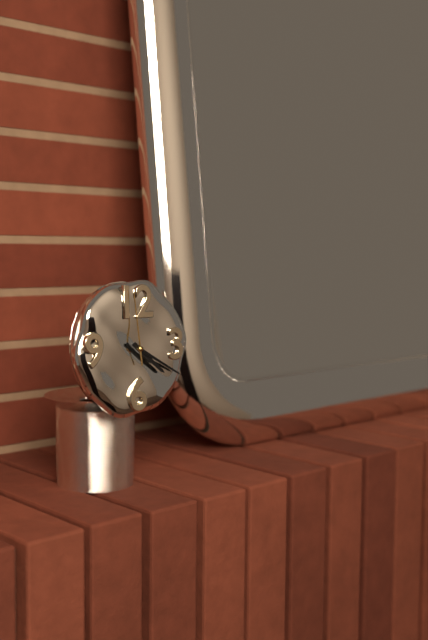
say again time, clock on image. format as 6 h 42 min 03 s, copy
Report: 4 h 20 min 59 s
